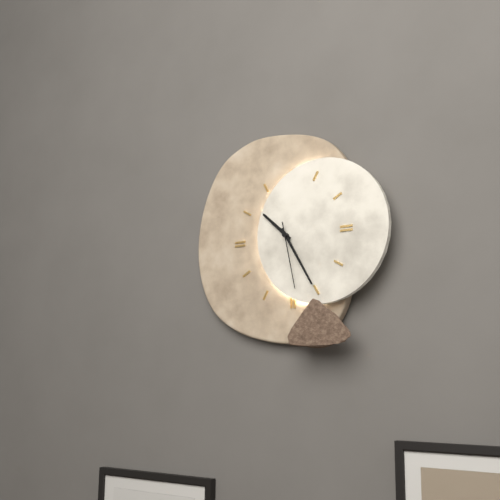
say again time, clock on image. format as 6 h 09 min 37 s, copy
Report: 10 h 25 min 28 s
